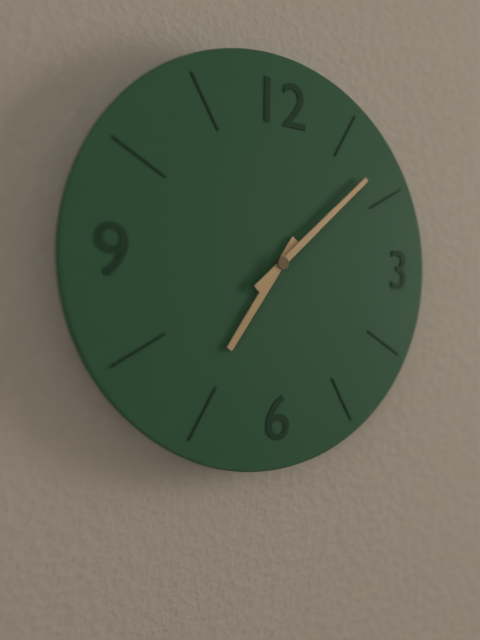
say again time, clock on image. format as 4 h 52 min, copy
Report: 7 h 08 min
